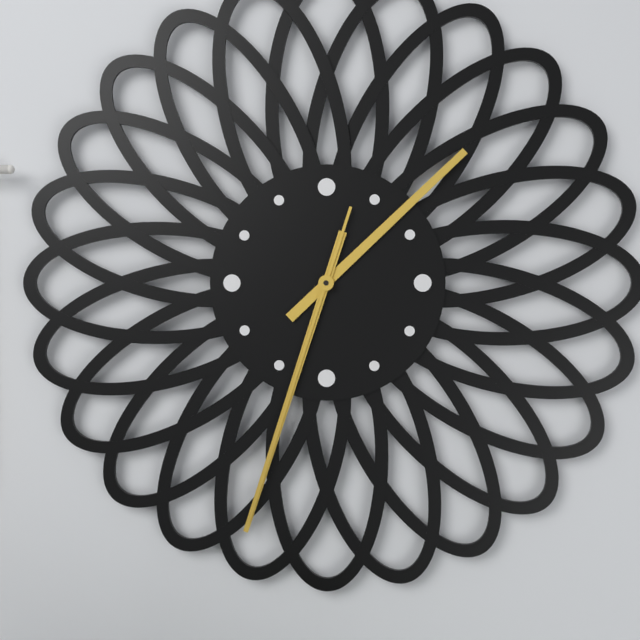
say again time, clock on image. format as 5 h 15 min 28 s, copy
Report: 1 h 33 min 33 s
